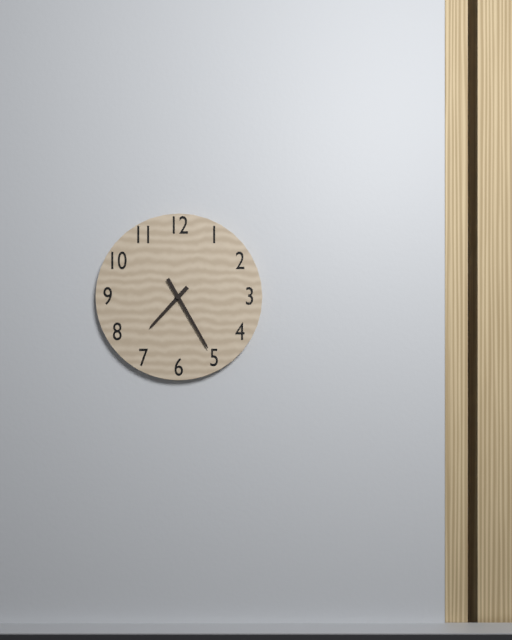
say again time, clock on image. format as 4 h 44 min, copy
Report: 7 h 25 min
